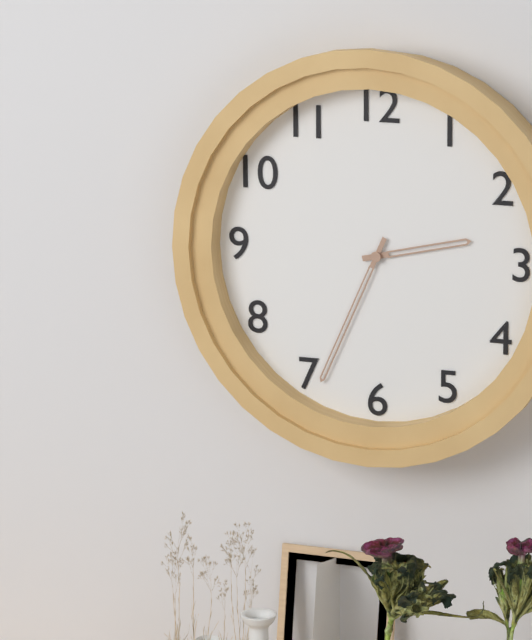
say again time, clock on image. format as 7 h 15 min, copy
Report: 2 h 34 min
